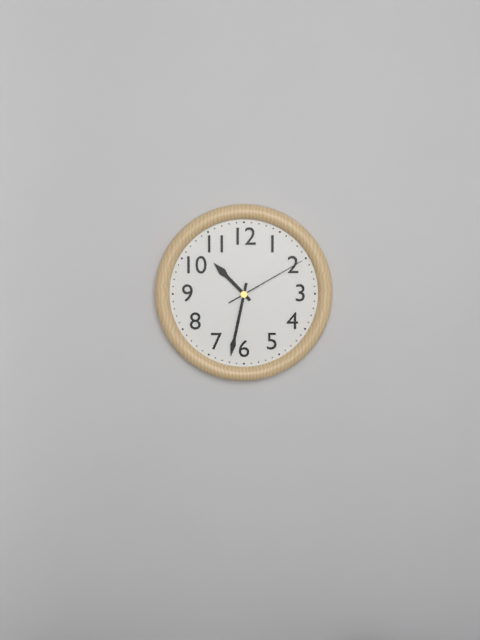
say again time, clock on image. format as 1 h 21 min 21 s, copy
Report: 10 h 32 min 10 s
